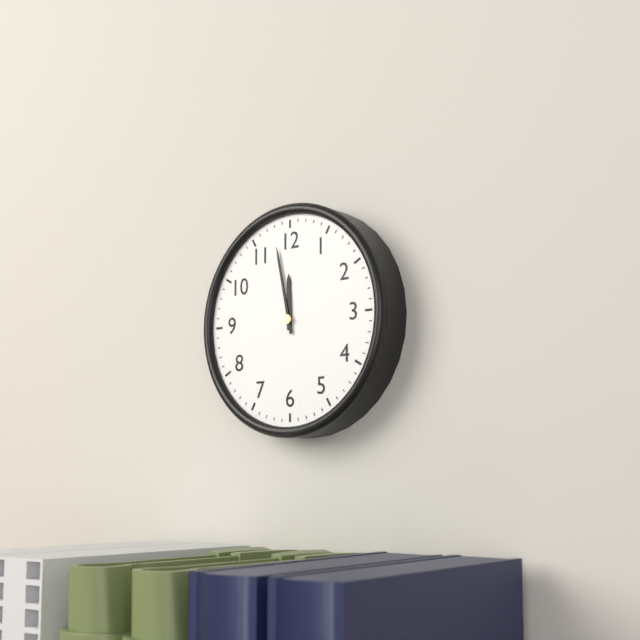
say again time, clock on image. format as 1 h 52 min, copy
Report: 11 h 58 min
